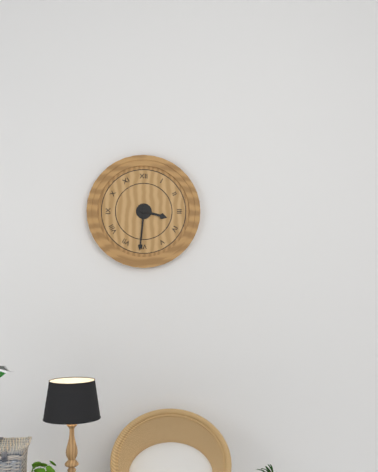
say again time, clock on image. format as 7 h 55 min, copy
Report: 3 h 31 min
